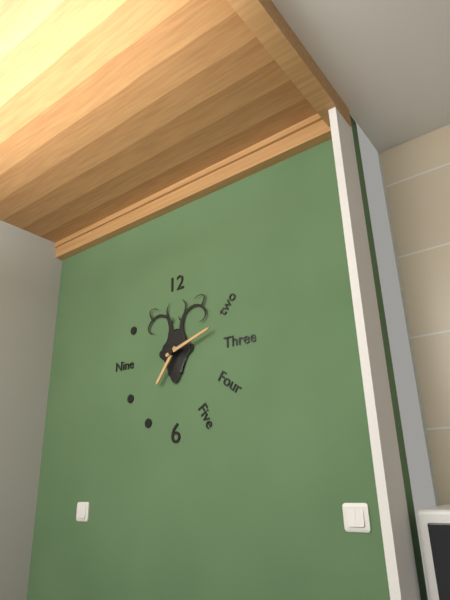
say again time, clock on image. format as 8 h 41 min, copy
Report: 7 h 12 min
